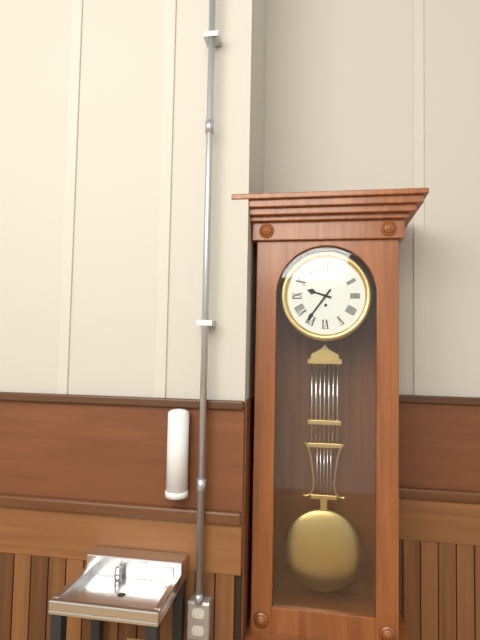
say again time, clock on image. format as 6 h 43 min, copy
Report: 9 h 36 min
